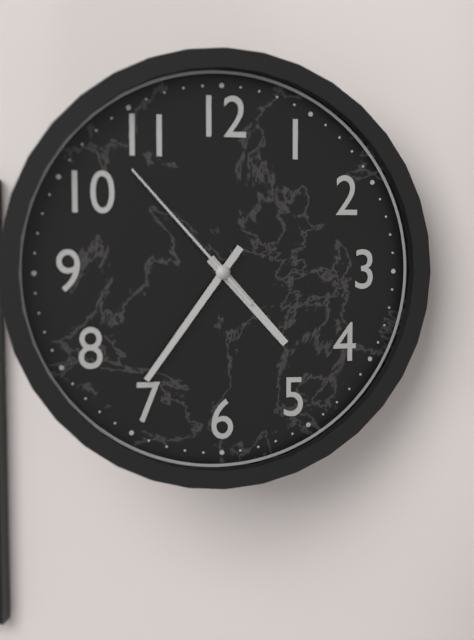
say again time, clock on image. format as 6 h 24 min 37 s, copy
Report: 4 h 36 min 53 s
